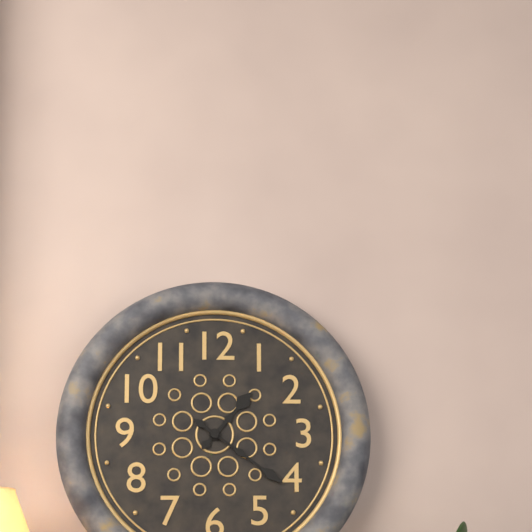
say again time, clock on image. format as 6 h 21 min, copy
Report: 1 h 21 min
